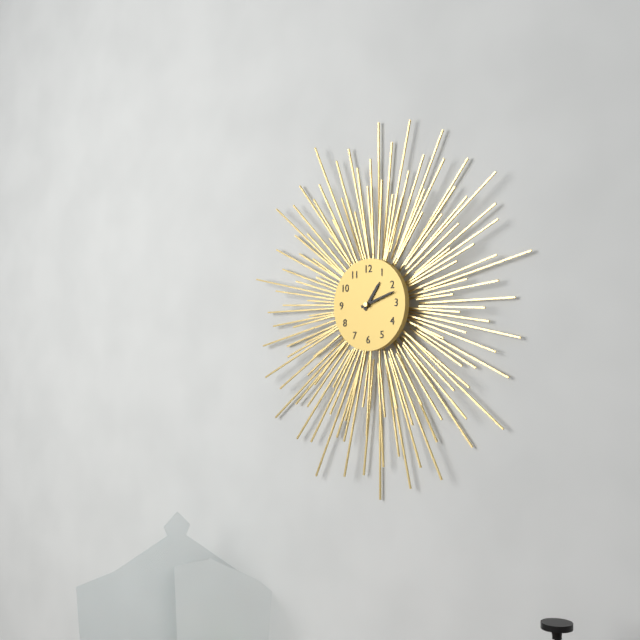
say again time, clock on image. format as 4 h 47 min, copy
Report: 1 h 12 min
